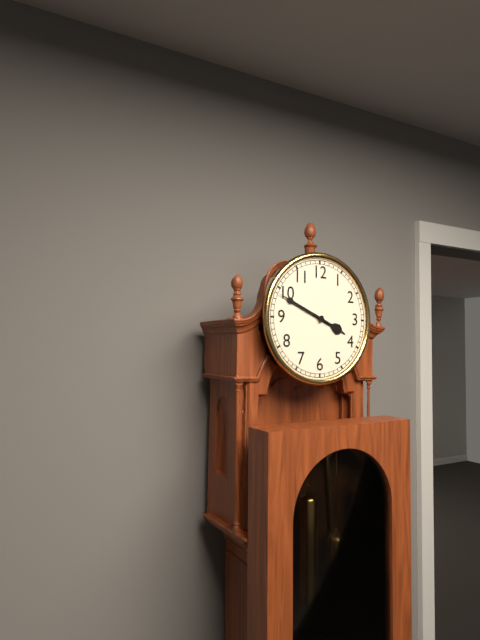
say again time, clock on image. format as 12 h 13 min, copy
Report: 3 h 49 min
